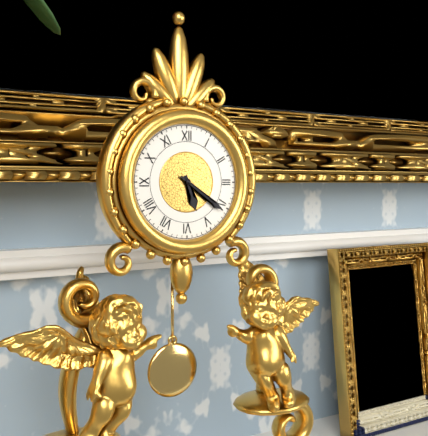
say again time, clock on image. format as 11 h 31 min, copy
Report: 5 h 21 min
